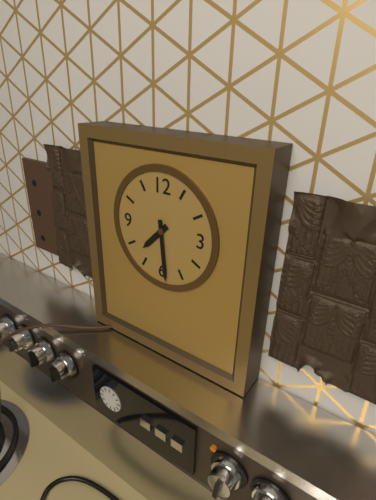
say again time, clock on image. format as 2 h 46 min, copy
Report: 7 h 29 min
